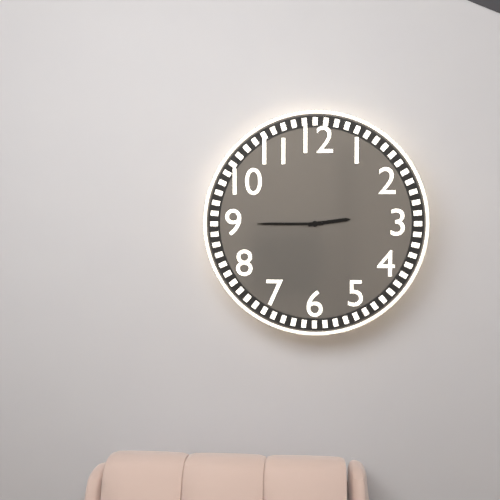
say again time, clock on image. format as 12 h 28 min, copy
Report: 2 h 45 min
